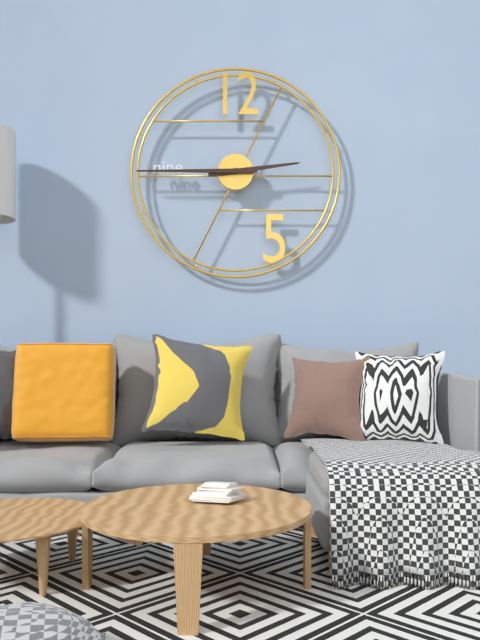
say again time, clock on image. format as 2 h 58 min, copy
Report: 2 h 45 min
